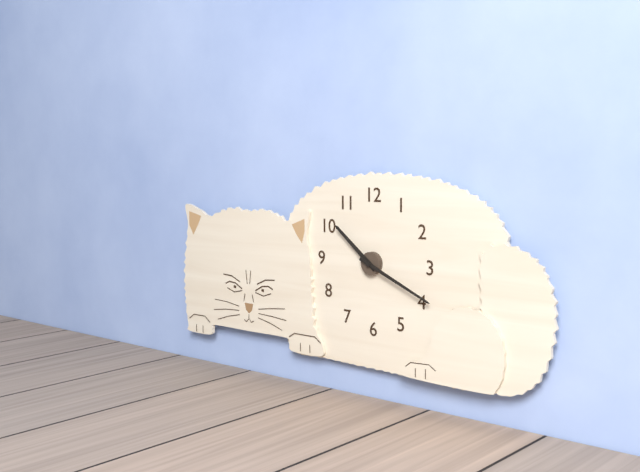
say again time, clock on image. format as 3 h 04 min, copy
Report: 10 h 19 min
